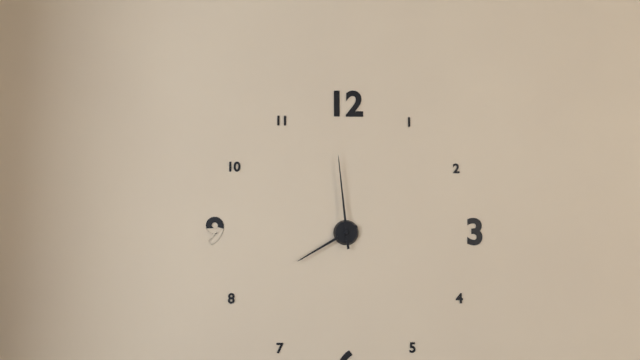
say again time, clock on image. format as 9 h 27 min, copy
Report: 7 h 59 min
